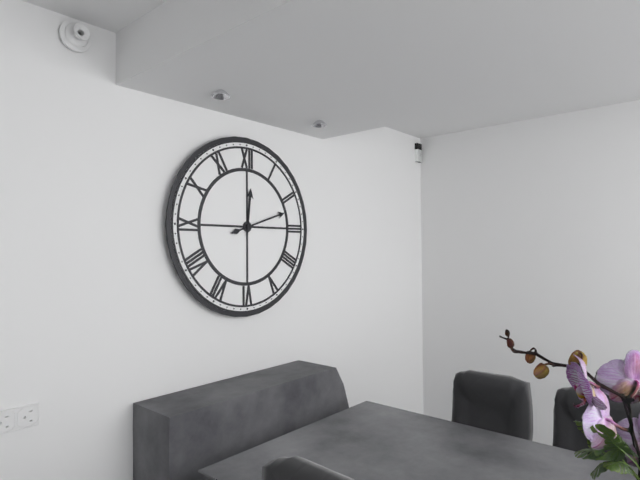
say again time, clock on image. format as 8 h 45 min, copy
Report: 12 h 12 min
